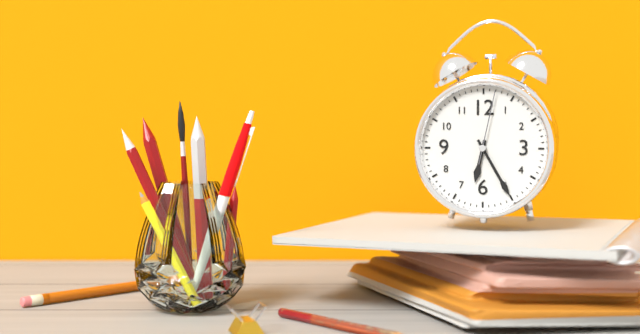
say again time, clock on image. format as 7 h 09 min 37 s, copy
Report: 6 h 25 min 02 s
